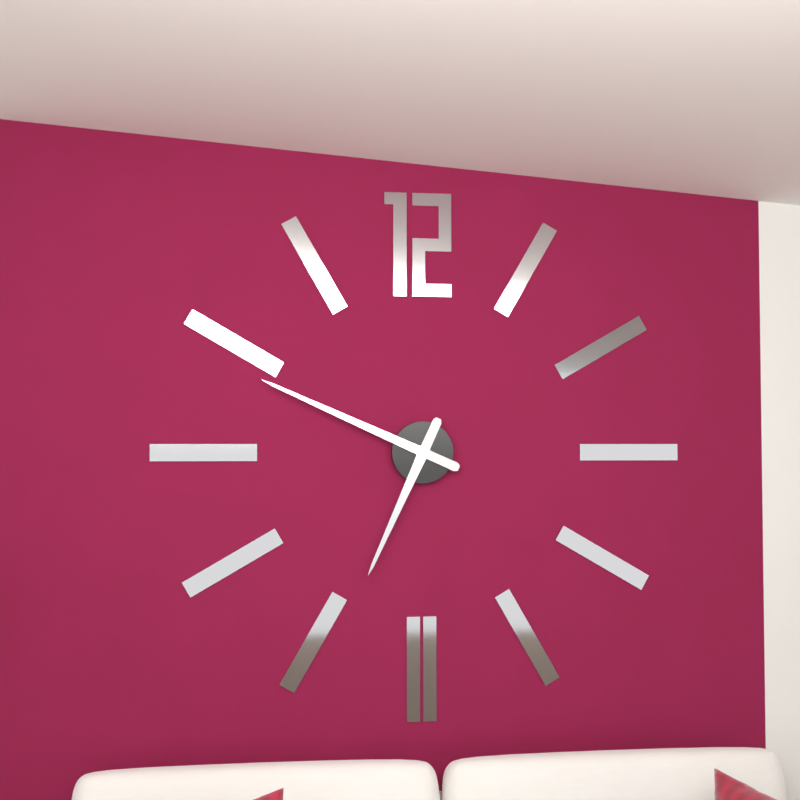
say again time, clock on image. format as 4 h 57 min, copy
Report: 6 h 49 min
